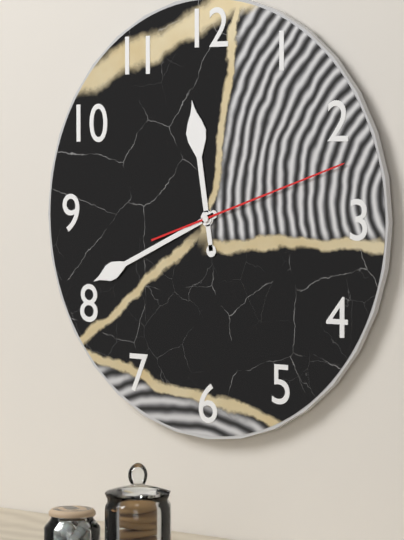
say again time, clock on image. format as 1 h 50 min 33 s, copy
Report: 11 h 41 min 12 s
